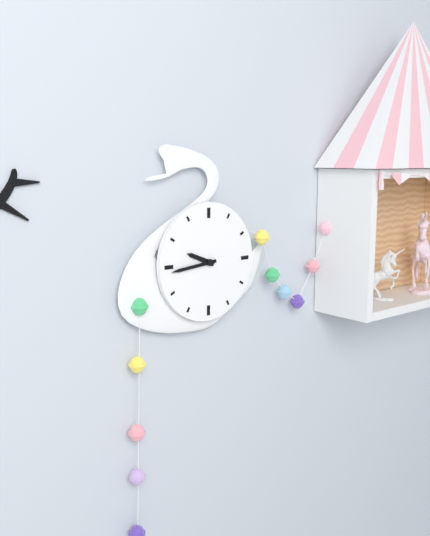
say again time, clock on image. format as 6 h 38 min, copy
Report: 9 h 44 min
